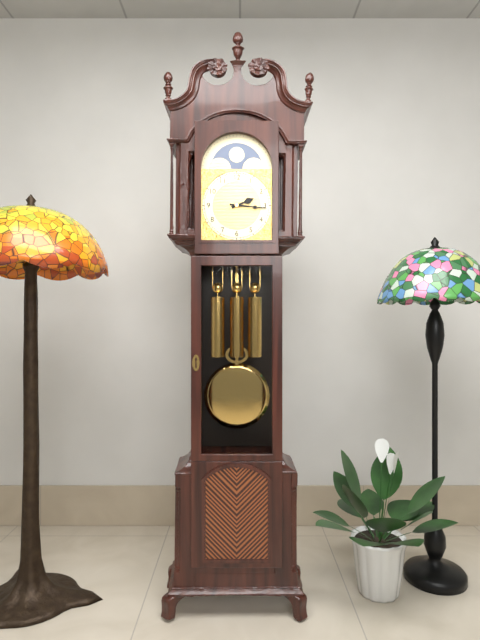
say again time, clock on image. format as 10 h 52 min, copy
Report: 2 h 16 min
